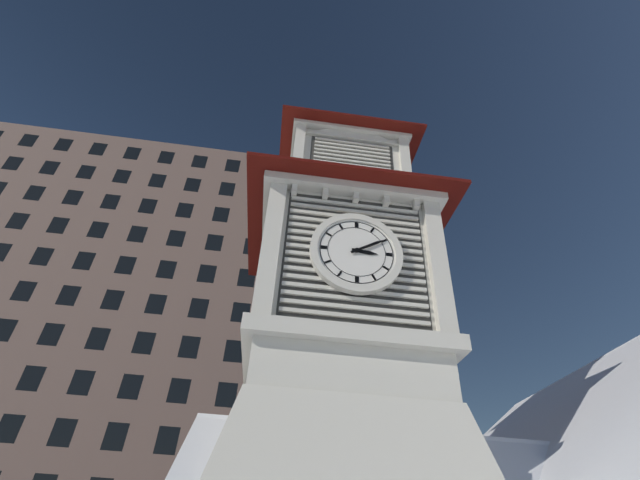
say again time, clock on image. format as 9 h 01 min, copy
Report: 3 h 10 min
